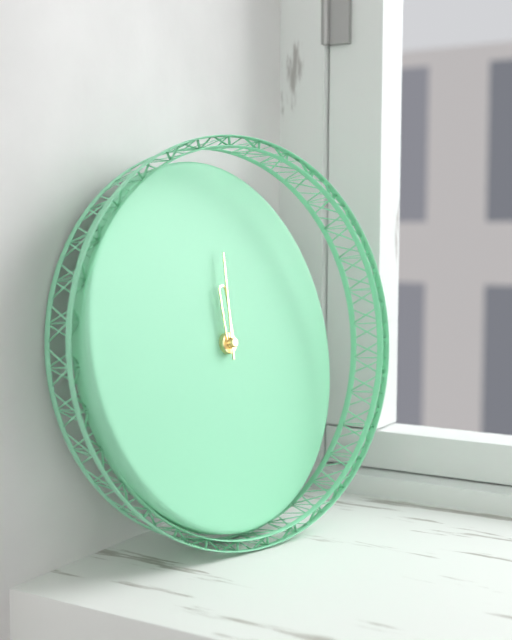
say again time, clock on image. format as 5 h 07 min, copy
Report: 12 h 01 min
